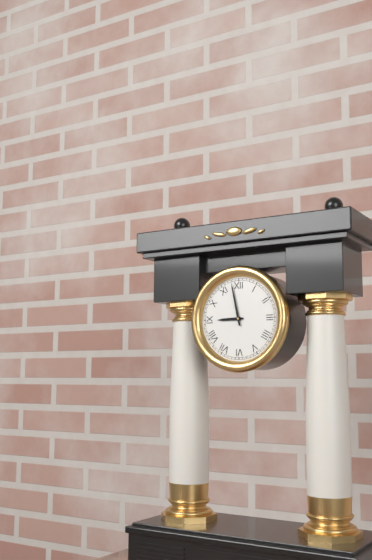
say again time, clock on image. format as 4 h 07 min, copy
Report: 8 h 58 min
